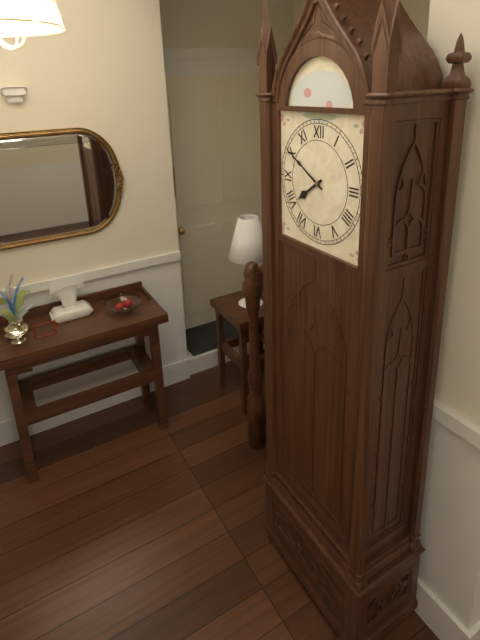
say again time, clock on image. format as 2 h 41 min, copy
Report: 7 h 50 min
